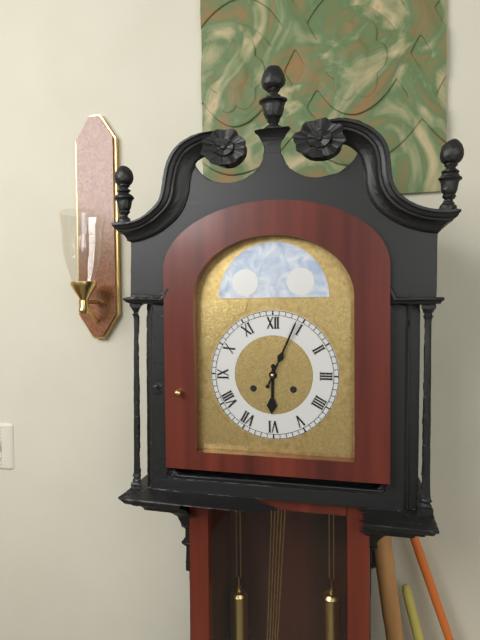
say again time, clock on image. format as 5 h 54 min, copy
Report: 6 h 04 min
